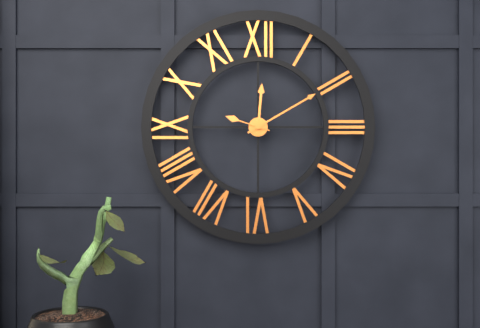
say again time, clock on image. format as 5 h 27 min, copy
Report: 12 h 10 min
